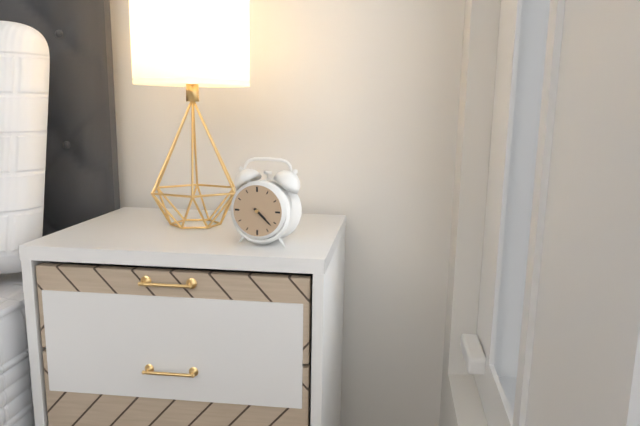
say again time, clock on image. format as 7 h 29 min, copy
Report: 4 h 22 min
